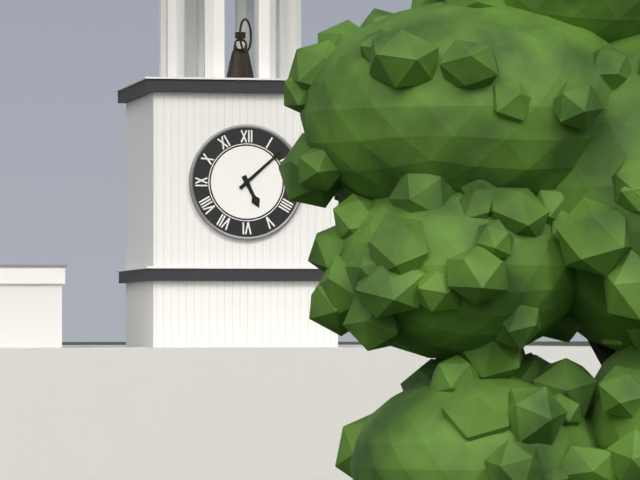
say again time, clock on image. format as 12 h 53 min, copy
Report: 5 h 08 min
